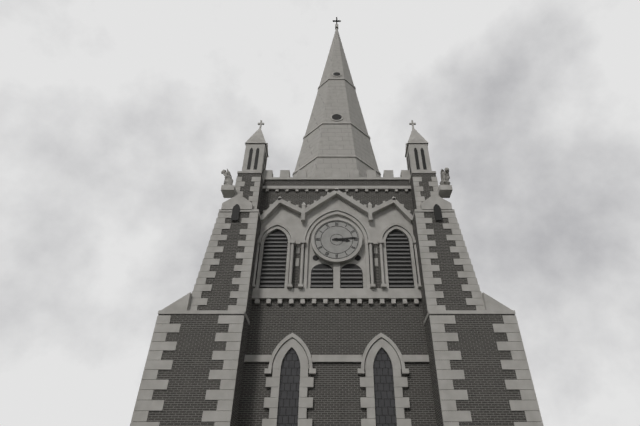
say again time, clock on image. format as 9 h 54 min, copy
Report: 3 h 14 min
